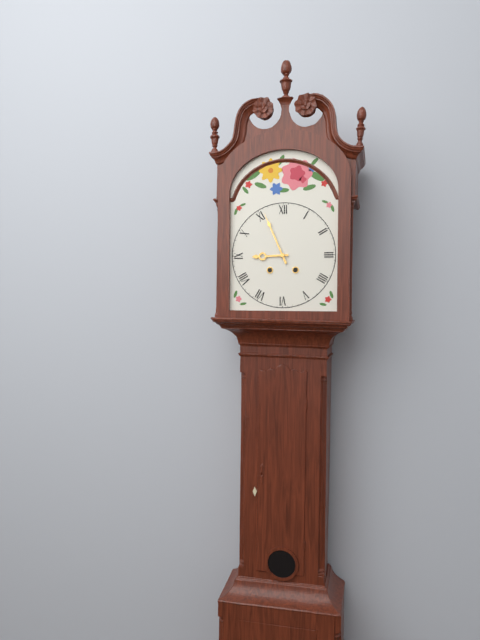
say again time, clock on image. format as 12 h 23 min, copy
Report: 8 h 56 min
